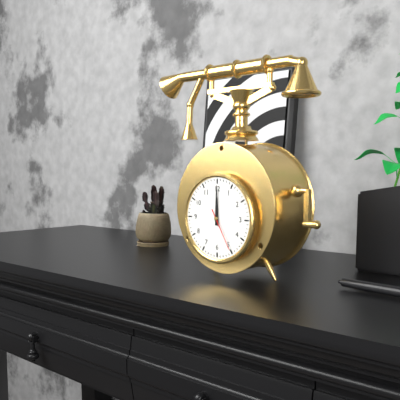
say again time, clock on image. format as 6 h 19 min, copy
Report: 12 h 00 min
